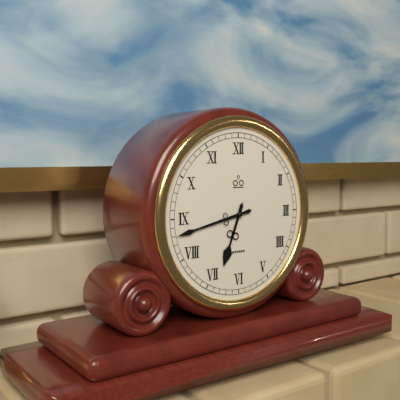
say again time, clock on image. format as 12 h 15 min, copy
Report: 6 h 43 min
